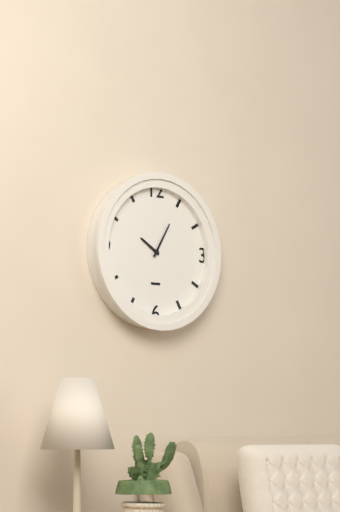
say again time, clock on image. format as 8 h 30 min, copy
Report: 10 h 05 min
